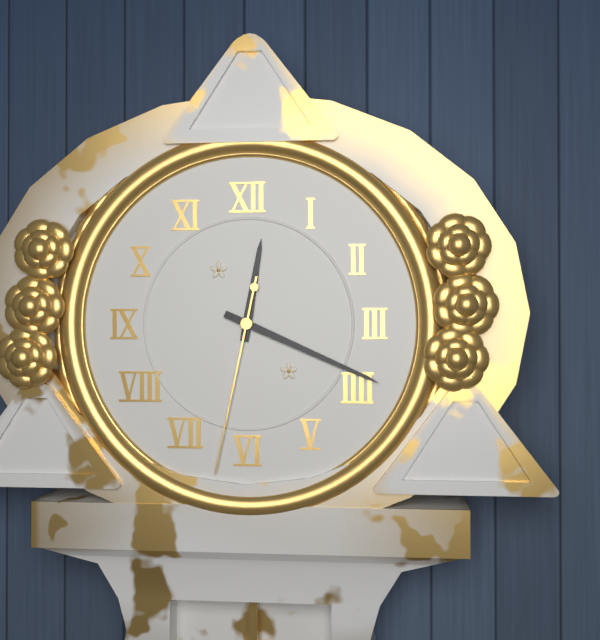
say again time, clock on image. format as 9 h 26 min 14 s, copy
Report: 12 h 19 min 32 s
